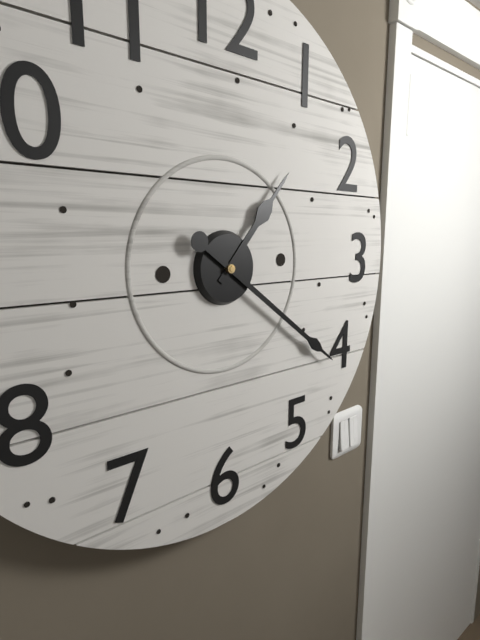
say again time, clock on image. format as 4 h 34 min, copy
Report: 1 h 21 min
